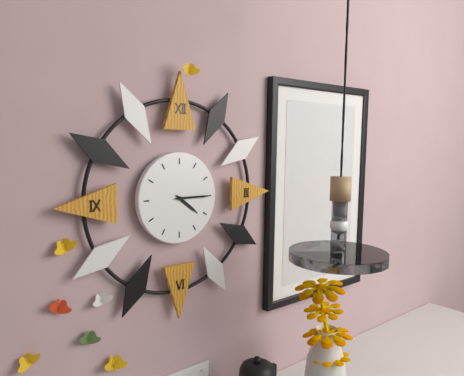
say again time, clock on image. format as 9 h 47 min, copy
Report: 4 h 15 min
